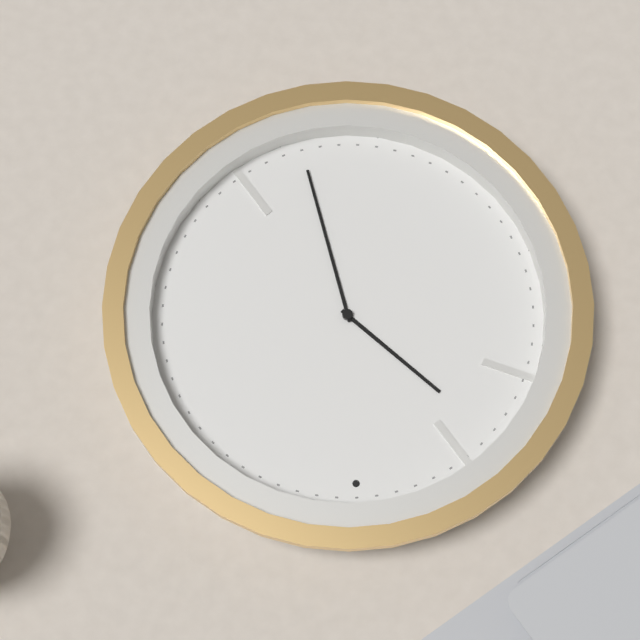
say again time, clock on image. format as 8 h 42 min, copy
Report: 10 h 28 min
